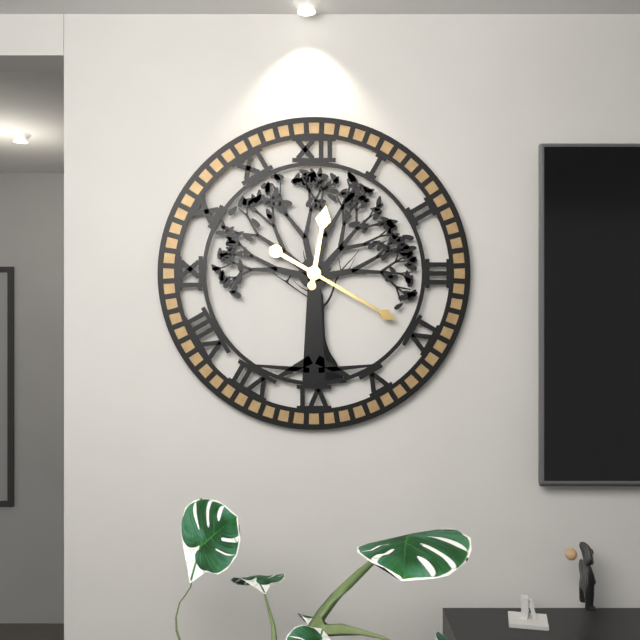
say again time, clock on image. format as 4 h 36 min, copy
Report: 12 h 20 min
